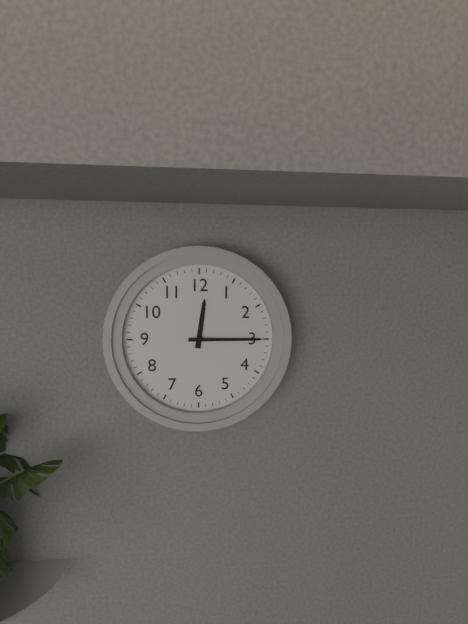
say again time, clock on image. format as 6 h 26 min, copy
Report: 12 h 15 min
